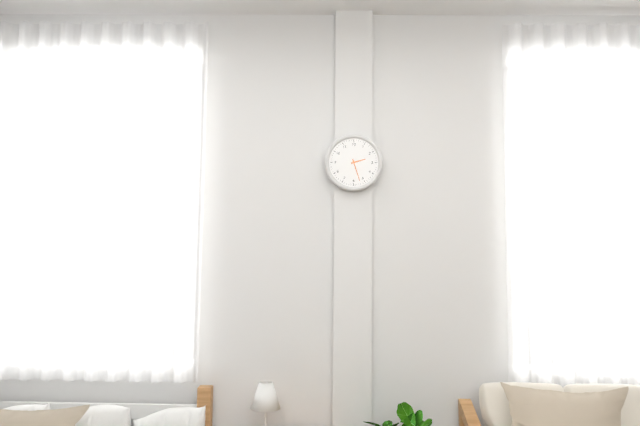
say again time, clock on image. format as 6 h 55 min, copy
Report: 2 h 27 min
